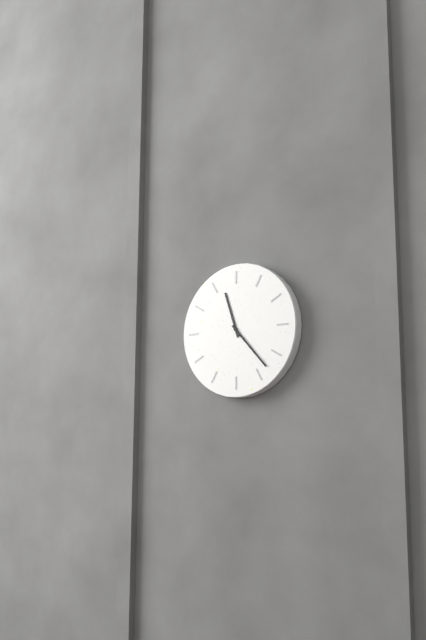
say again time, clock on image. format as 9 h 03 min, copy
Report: 11 h 23 min
